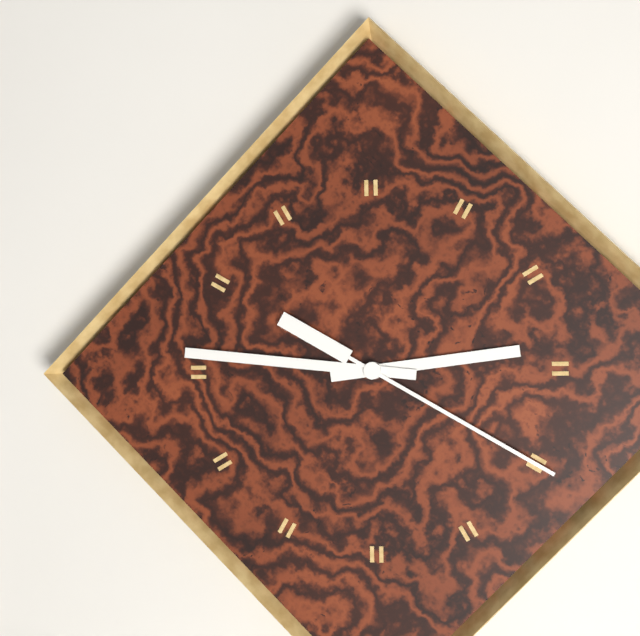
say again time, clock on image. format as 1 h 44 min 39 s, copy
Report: 2 h 46 min 20 s
